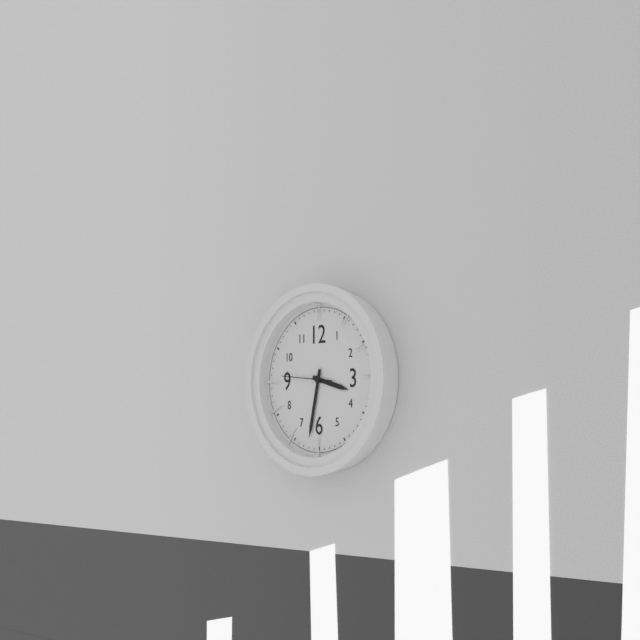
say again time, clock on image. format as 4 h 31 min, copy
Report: 3 h 32 min
